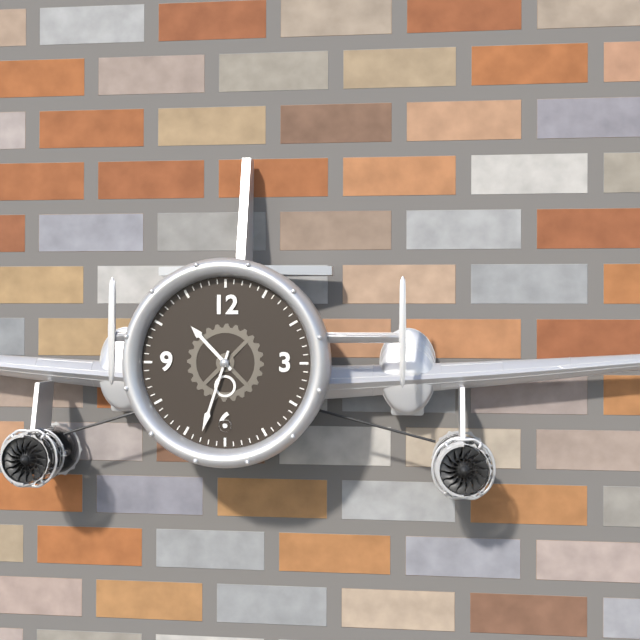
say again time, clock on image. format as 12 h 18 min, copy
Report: 10 h 33 min
